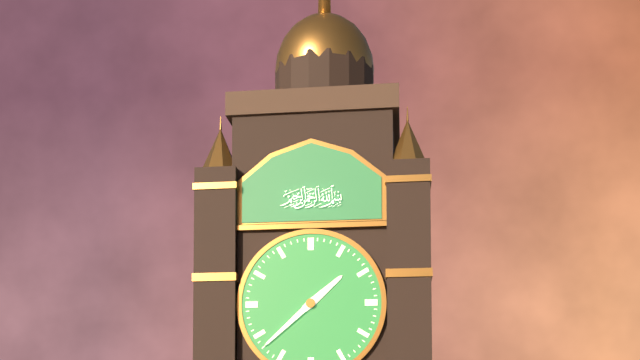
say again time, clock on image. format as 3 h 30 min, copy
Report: 1 h 38 min
